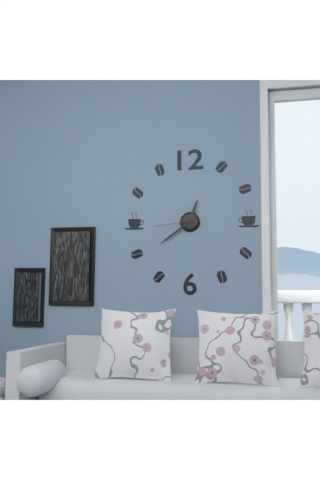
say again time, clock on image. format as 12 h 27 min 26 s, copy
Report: 12 h 39 min 44 s
